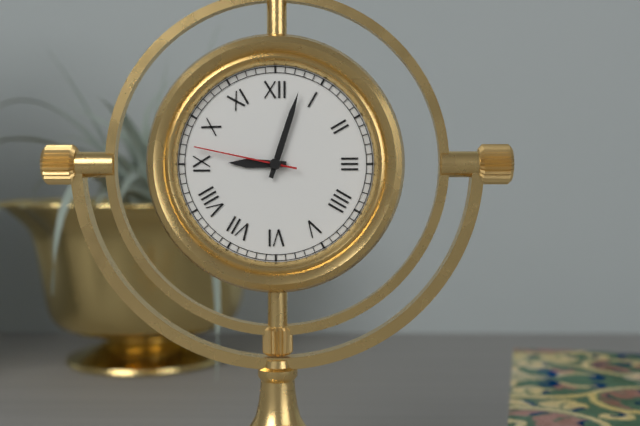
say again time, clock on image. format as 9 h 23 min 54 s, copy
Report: 9 h 03 min 47 s
